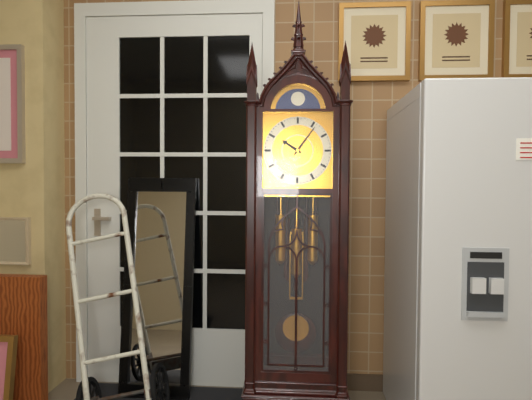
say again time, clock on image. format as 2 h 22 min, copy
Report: 10 h 06 min
